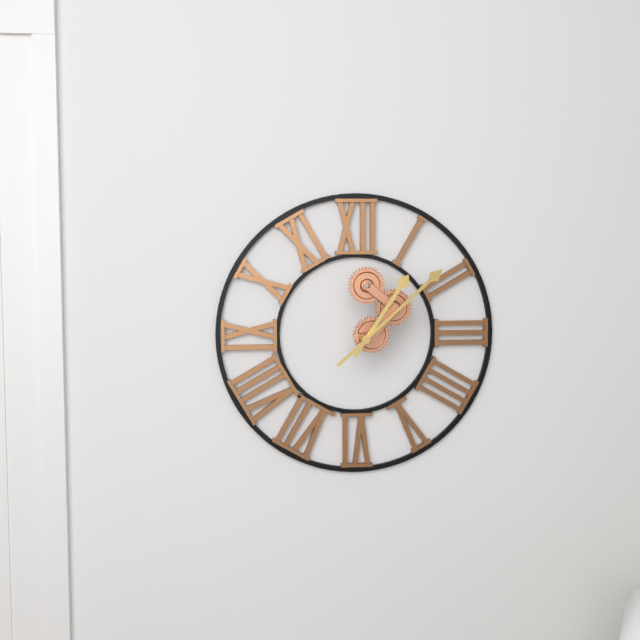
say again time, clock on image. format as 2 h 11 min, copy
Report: 1 h 08 min
